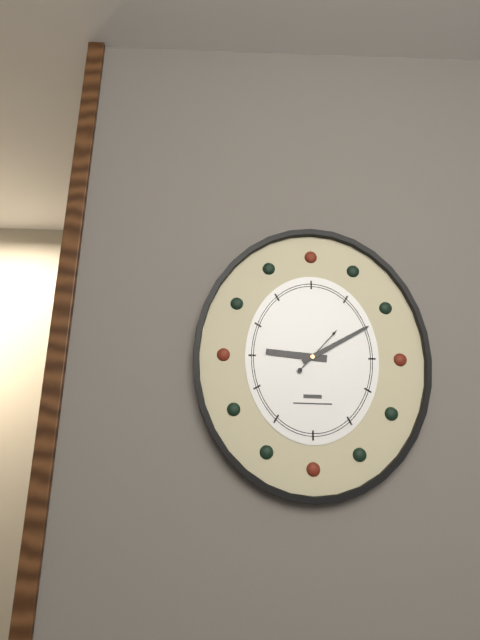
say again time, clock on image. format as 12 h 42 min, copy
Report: 9 h 10 min
